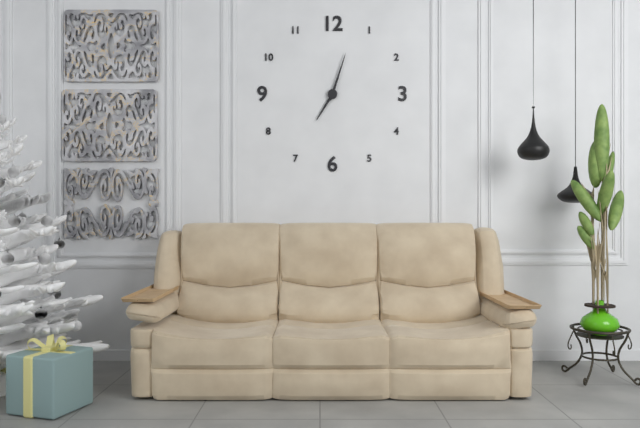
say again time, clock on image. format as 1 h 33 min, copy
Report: 7 h 03 min
